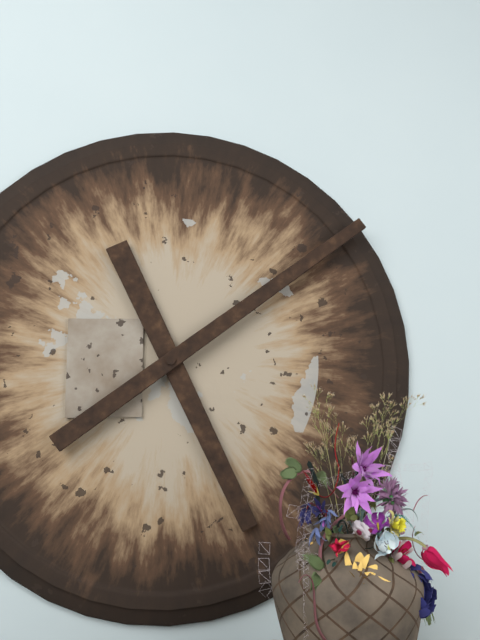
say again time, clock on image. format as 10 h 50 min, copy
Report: 5 h 09 min
